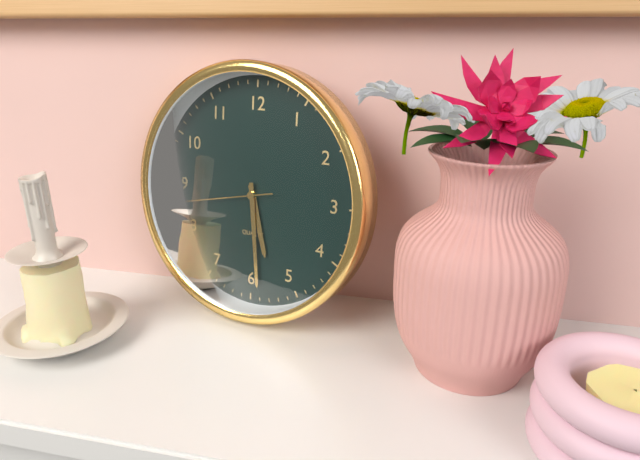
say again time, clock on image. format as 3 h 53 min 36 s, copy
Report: 5 h 29 min 43 s
